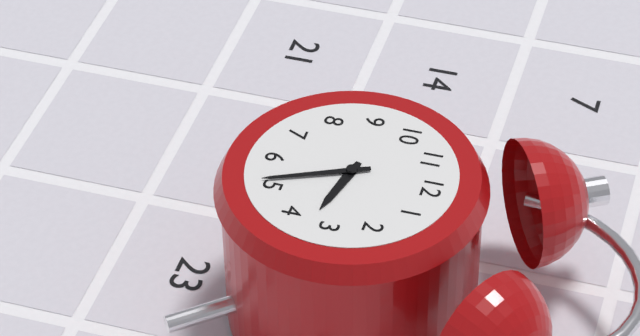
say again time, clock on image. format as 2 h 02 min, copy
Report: 3 h 26 min
